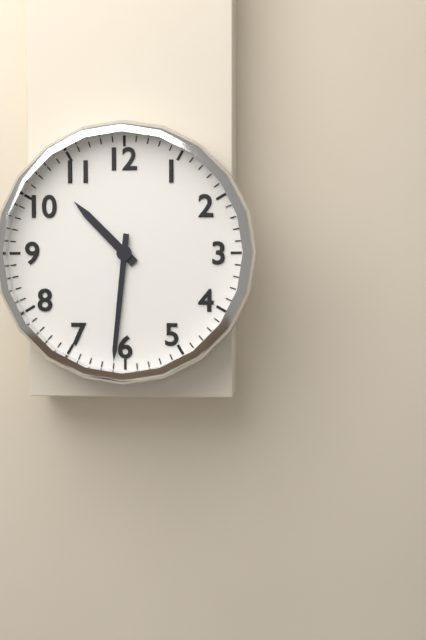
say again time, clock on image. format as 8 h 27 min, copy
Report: 10 h 31 min
